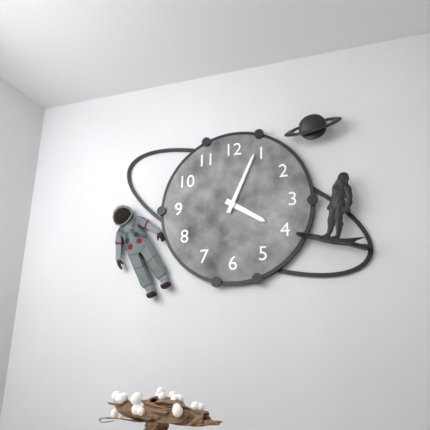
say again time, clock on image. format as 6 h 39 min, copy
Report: 4 h 04 min
